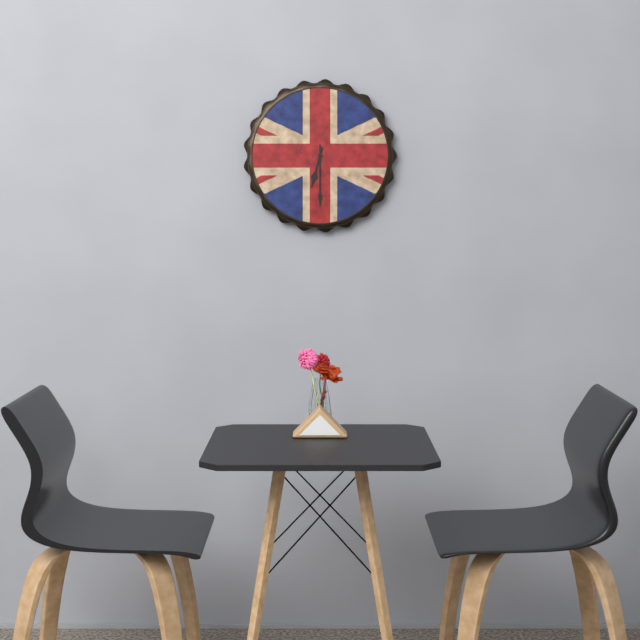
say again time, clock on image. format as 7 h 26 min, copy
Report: 6 h 30 min
